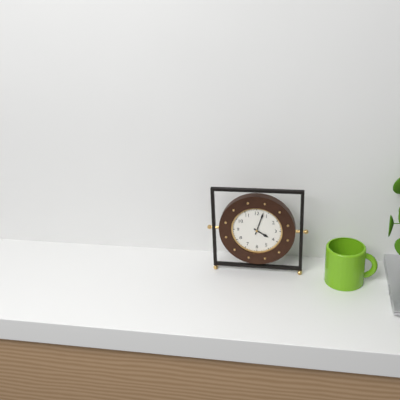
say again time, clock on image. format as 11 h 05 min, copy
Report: 4 h 03 min
